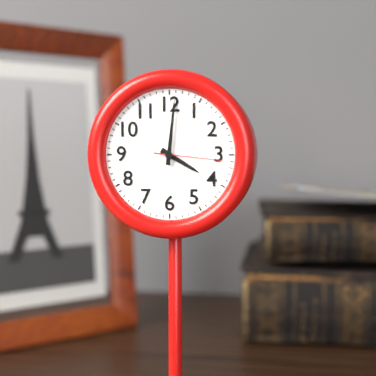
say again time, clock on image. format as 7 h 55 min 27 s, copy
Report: 4 h 01 min 16 s
